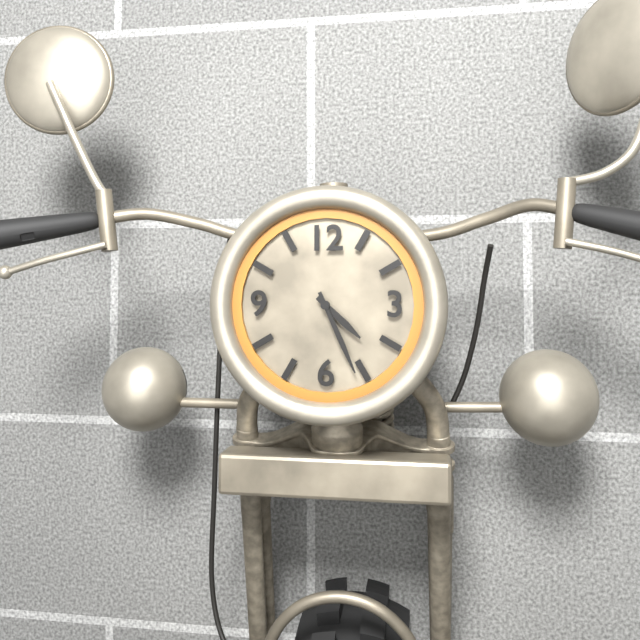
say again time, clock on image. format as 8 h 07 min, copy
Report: 4 h 26 min
